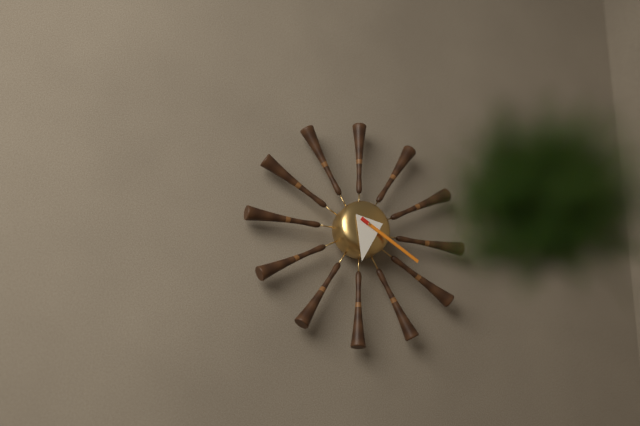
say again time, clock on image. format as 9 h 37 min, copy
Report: 6 h 20 min
